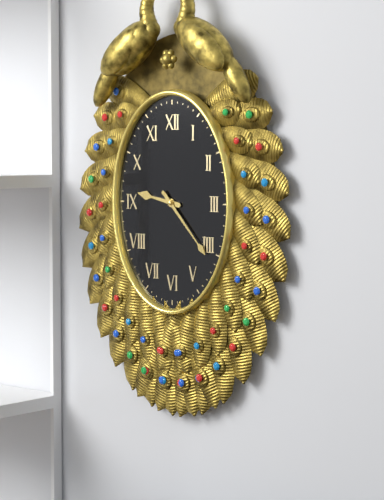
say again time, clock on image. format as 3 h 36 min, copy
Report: 9 h 23 min
